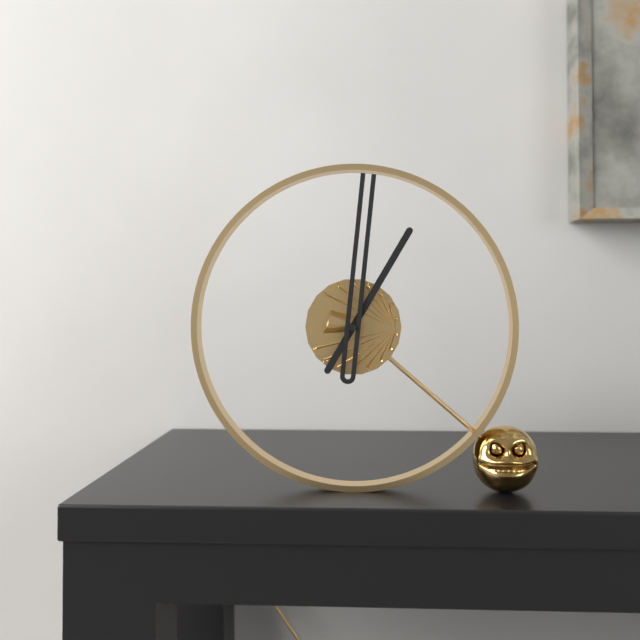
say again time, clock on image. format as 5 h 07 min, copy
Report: 1 h 01 min
